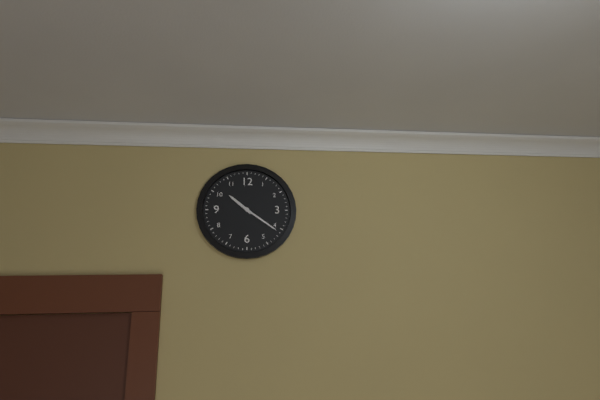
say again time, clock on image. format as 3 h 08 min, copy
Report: 10 h 21 min
